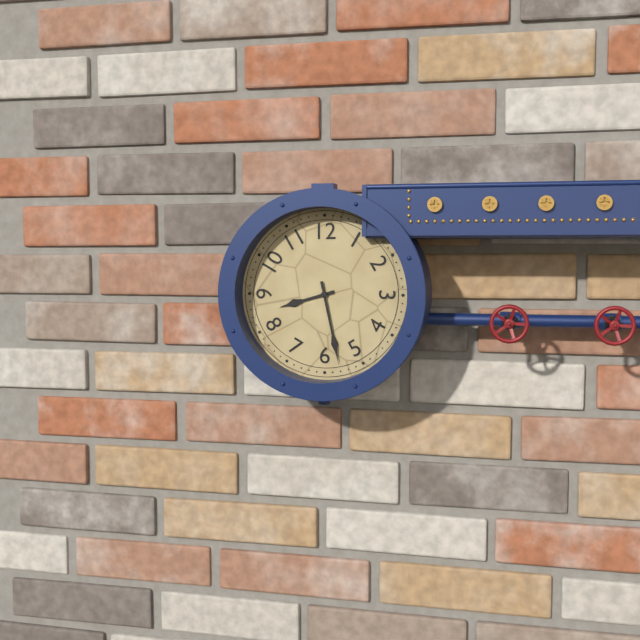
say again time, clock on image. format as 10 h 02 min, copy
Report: 8 h 28 min
